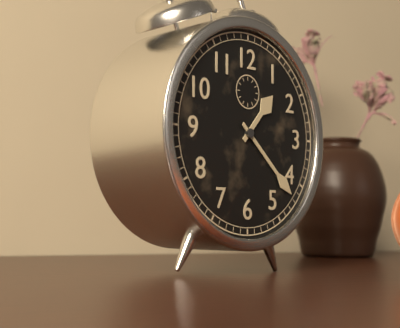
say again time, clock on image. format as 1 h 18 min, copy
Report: 1 h 22 min
